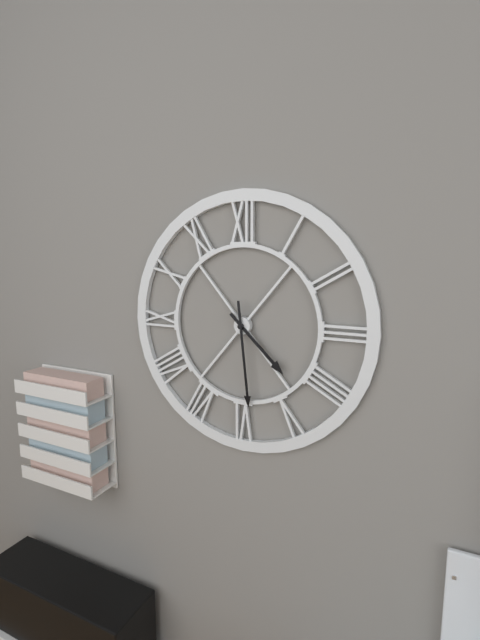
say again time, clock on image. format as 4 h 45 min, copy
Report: 4 h 29 min
